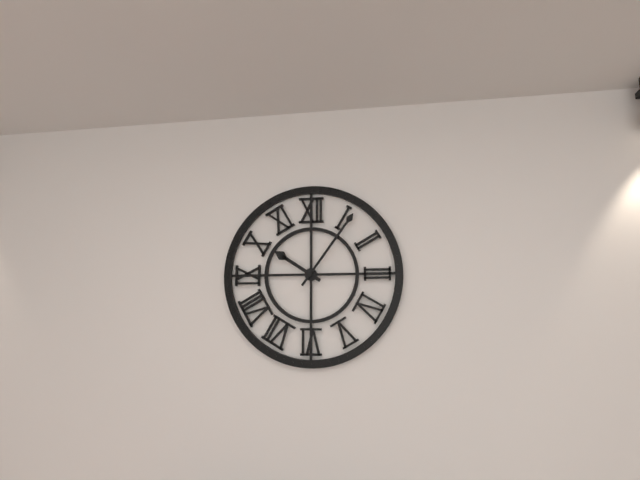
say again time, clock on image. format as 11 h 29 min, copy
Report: 10 h 06 min
